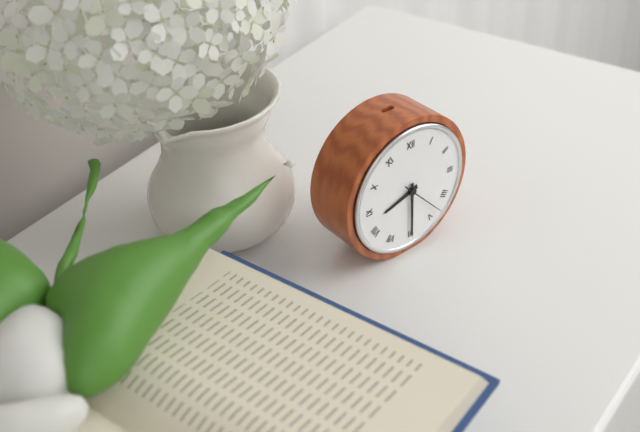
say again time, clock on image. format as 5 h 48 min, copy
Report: 8 h 30 min
